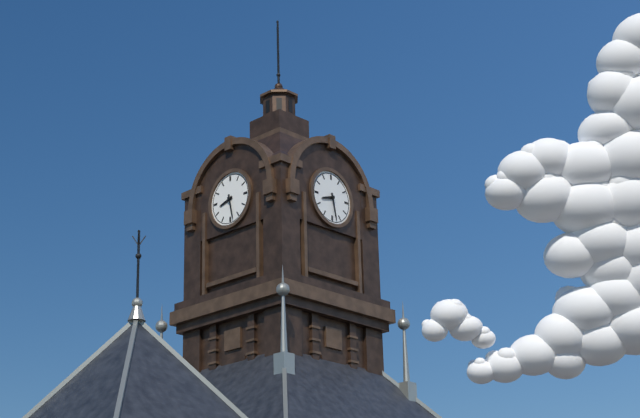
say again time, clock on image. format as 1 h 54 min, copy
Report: 8 h 28 min
